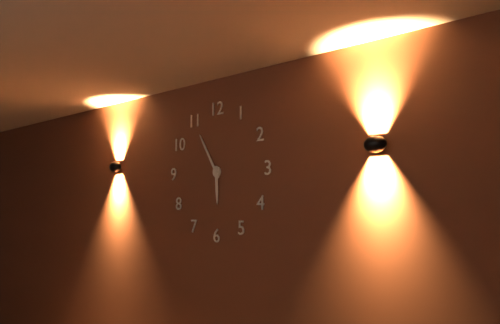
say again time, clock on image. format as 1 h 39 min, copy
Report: 5 h 55 min
